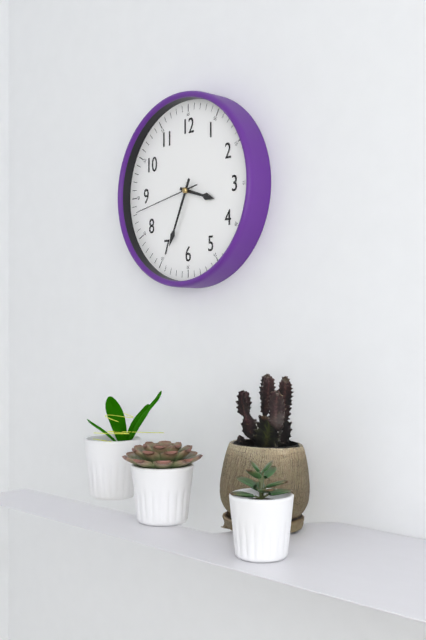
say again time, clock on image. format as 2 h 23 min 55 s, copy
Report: 3 h 34 min 43 s
